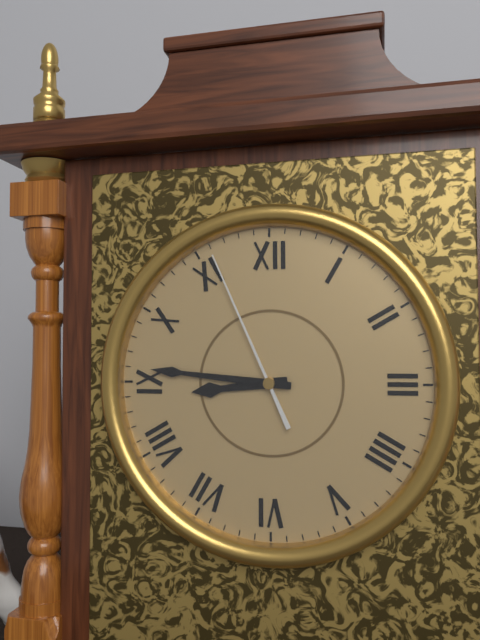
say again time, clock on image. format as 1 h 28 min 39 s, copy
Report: 8 h 46 min 56 s
